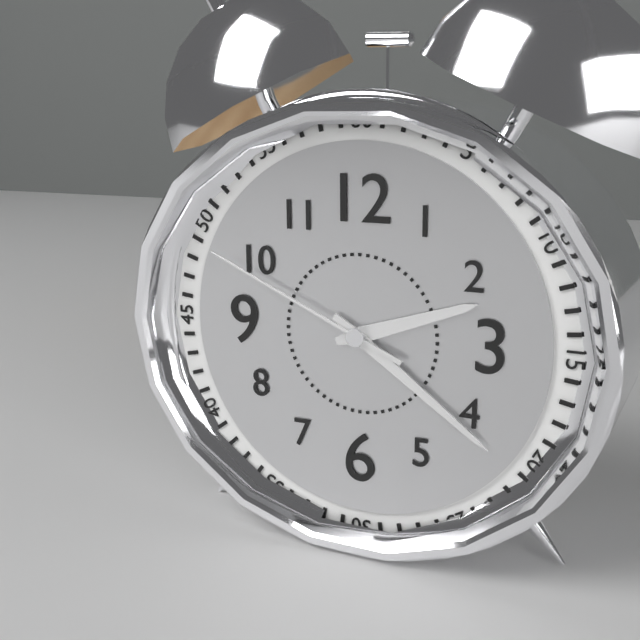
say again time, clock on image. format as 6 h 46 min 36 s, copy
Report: 2 h 21 min 49 s
